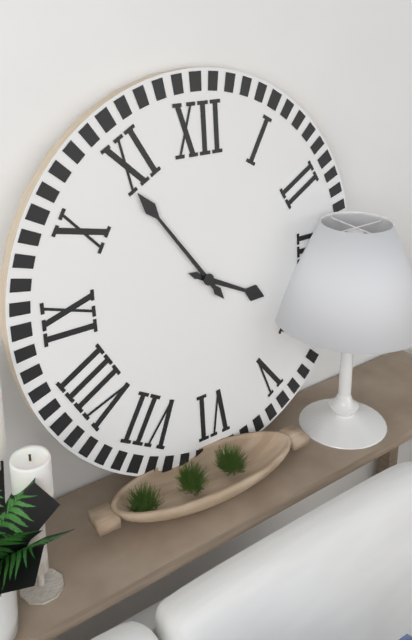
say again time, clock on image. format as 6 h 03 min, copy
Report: 3 h 54 min
